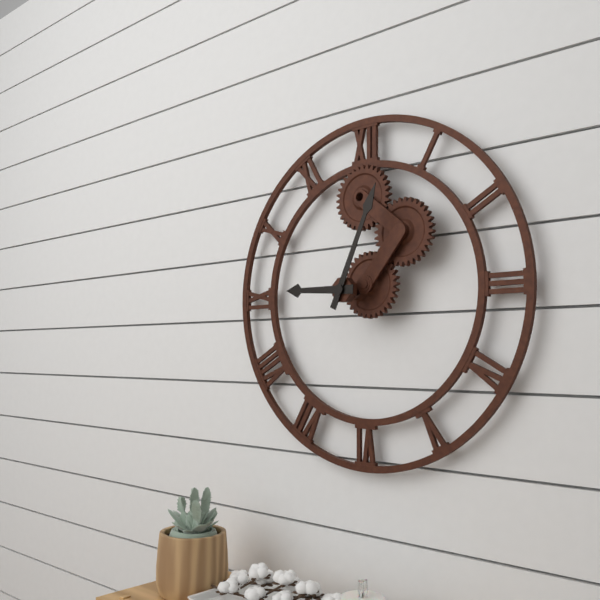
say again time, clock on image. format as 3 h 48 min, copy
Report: 9 h 04 min
